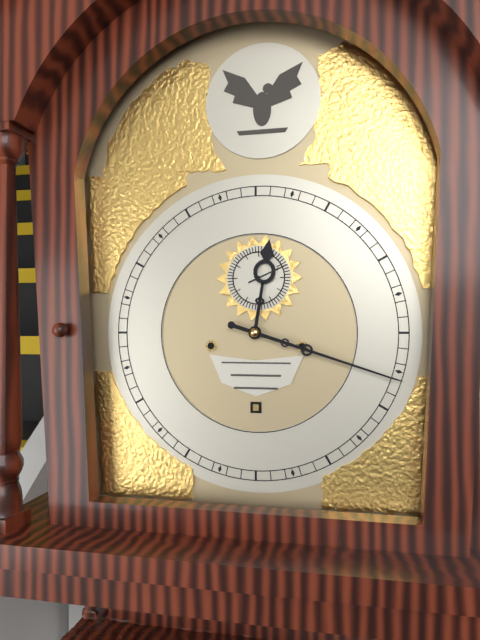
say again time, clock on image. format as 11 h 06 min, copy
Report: 12 h 18 min
